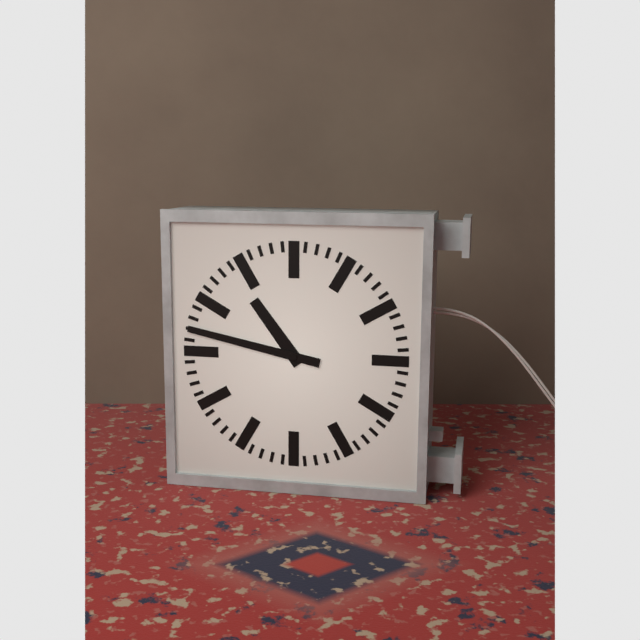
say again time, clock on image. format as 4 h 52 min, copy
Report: 10 h 47 min
